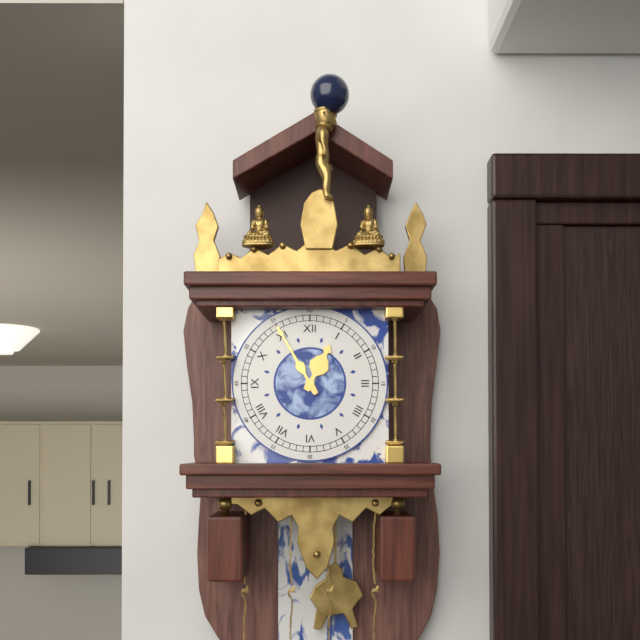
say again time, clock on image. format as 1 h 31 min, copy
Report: 12 h 55 min
